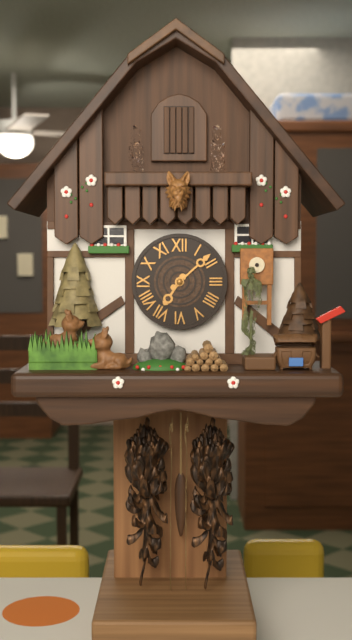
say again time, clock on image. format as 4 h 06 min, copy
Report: 7 h 08 min
